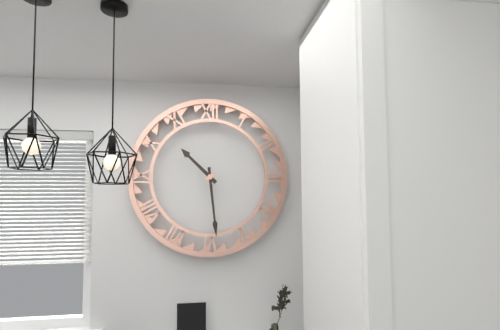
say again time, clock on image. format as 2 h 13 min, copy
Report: 10 h 29 min
